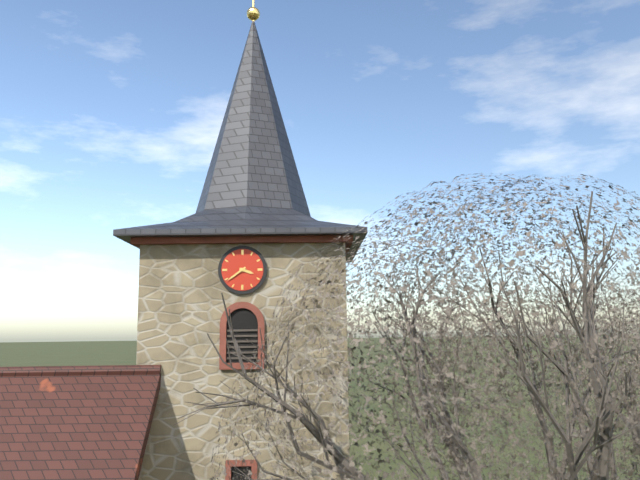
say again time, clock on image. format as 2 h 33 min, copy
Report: 3 h 39 min
